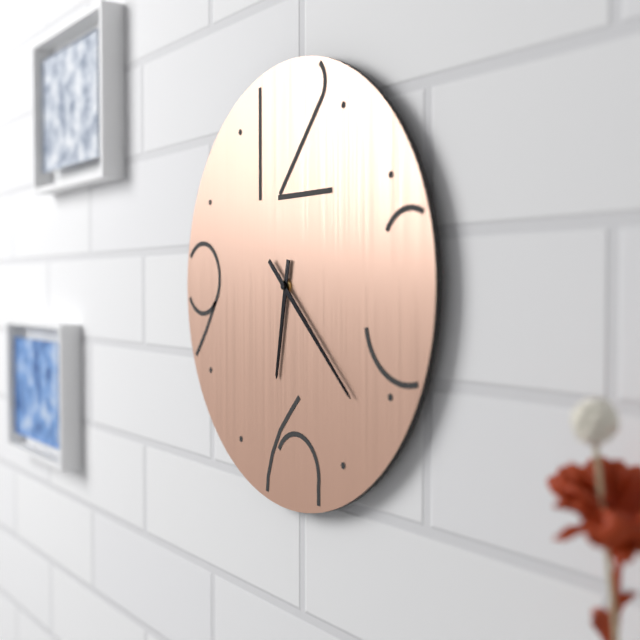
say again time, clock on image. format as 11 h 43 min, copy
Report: 6 h 22 min
